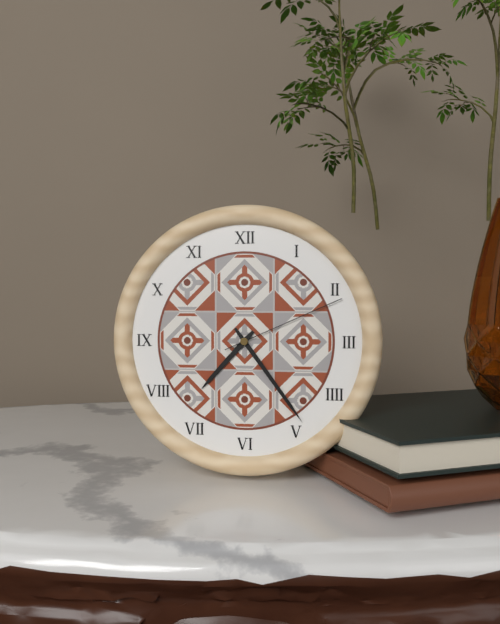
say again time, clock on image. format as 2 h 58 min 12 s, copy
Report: 7 h 24 min 11 s
